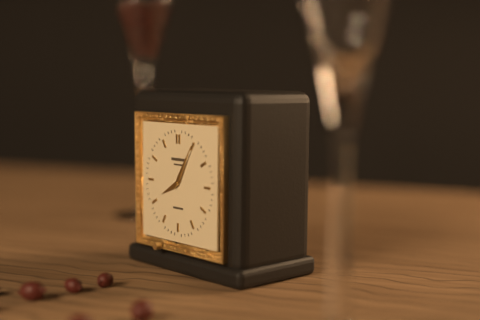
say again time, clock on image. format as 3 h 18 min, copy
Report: 8 h 05 min
